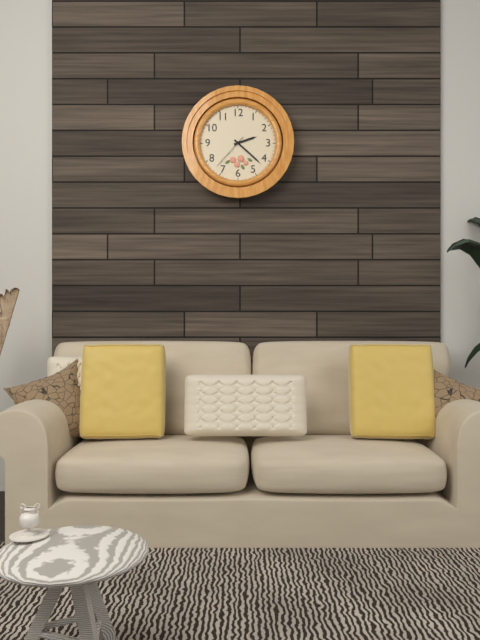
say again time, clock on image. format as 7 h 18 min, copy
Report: 2 h 22 min
